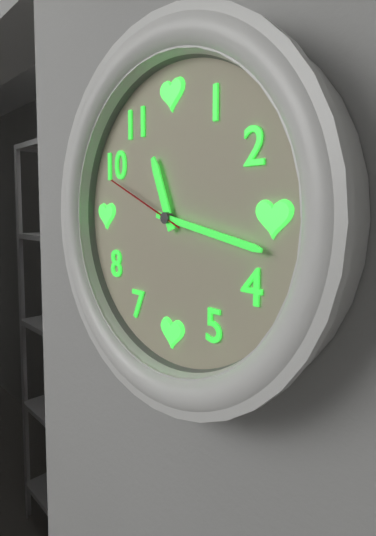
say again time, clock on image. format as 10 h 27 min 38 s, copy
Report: 11 h 17 min 49 s
